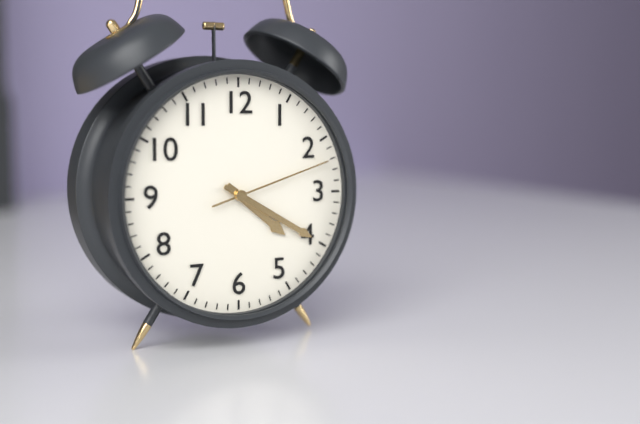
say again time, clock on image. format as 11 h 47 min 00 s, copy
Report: 4 h 20 min 12 s
